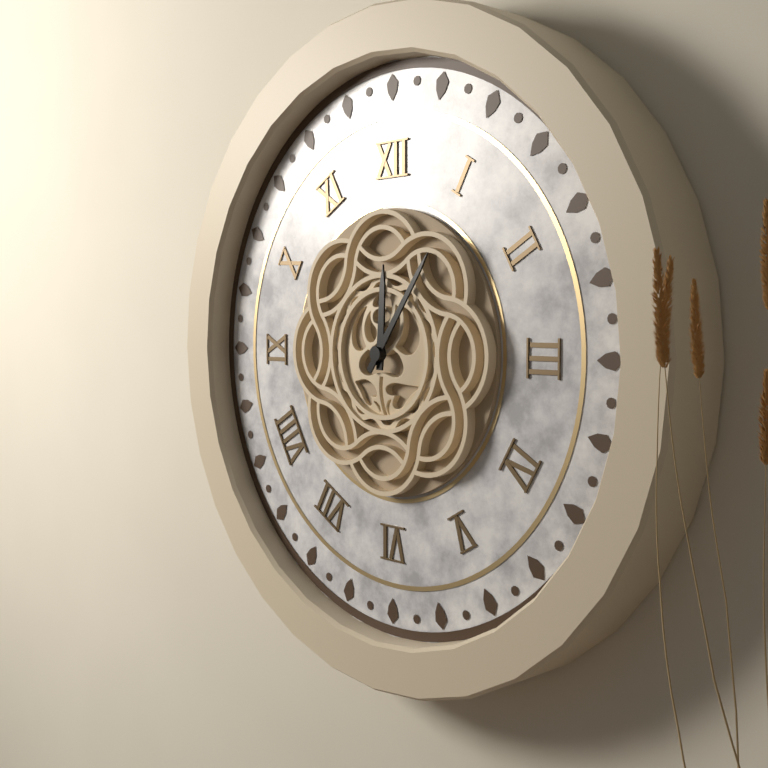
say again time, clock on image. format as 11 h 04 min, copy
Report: 12 h 06 min
